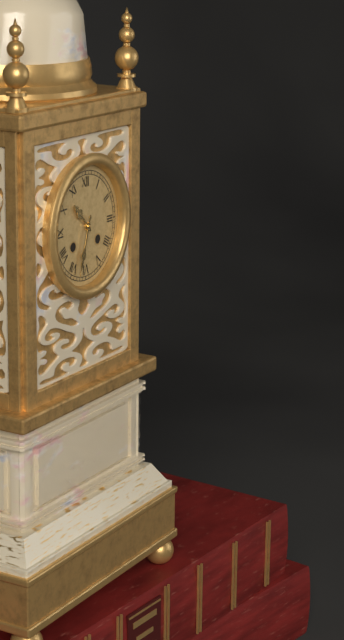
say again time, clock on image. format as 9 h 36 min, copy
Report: 10 h 33 min
